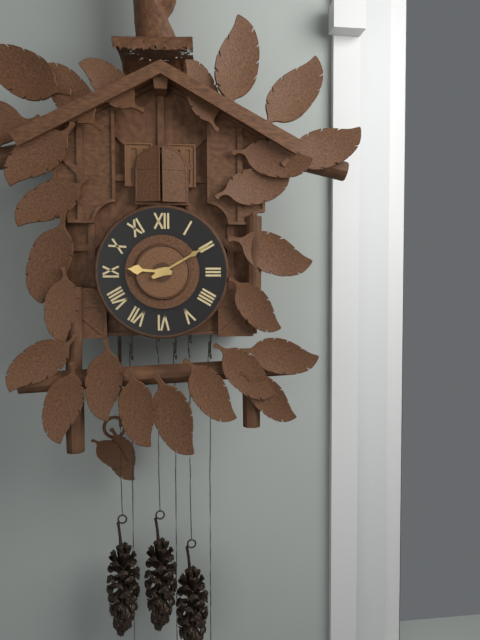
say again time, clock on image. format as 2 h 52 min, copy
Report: 9 h 10 min
